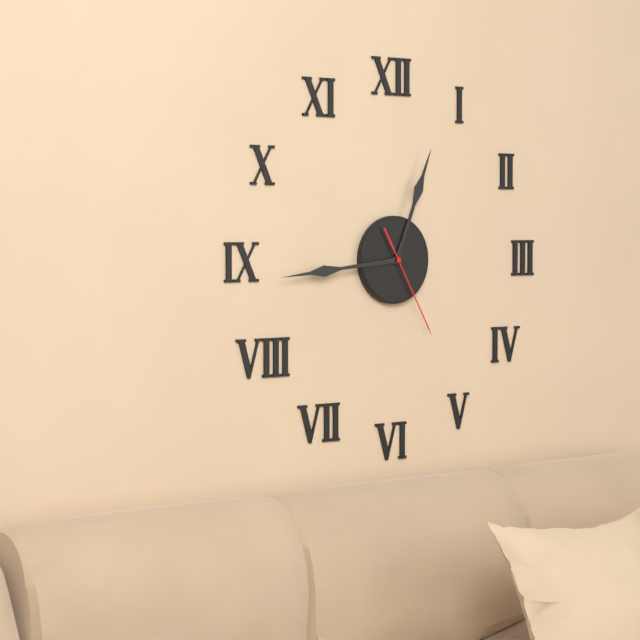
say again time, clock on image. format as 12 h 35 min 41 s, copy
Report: 12 h 44 min 25 s
